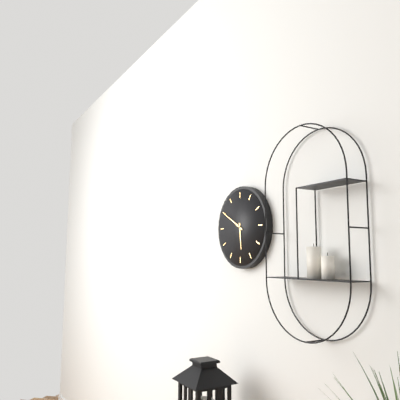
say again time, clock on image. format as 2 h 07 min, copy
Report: 5 h 50 min
